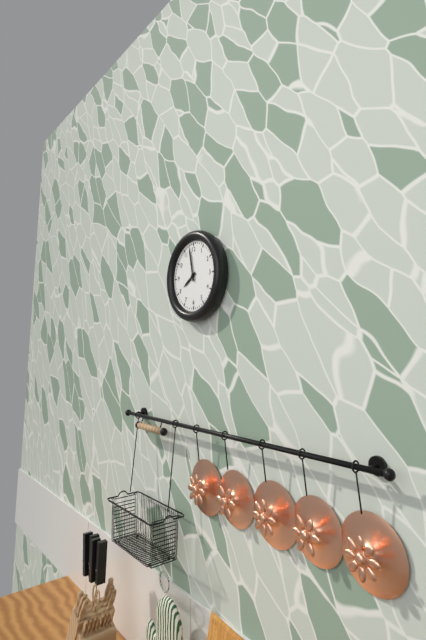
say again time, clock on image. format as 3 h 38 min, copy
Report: 7 h 58 min
